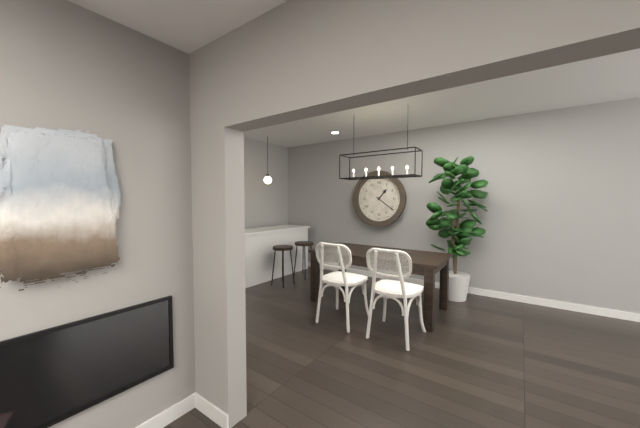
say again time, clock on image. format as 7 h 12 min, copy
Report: 1 h 21 min
